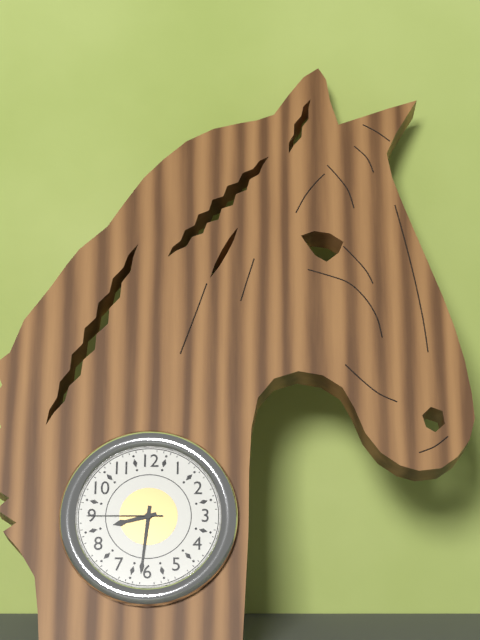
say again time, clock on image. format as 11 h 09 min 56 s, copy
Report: 8 h 31 min 45 s
